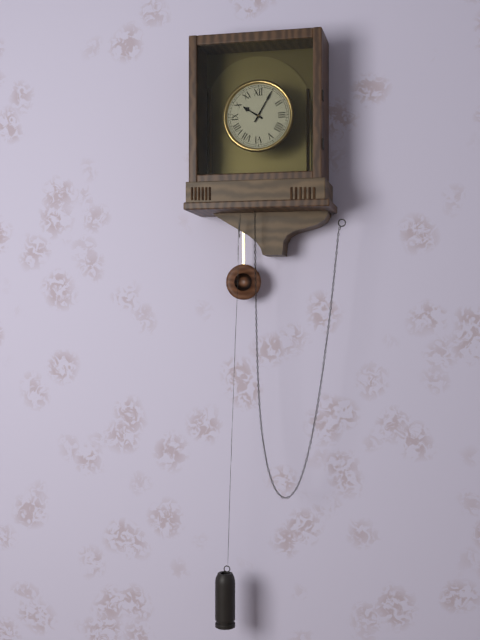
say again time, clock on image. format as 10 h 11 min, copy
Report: 10 h 05 min
